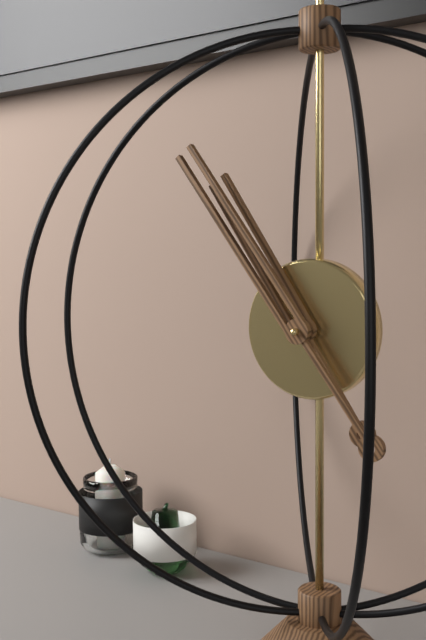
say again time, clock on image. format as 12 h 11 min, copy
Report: 10 h 54 min
